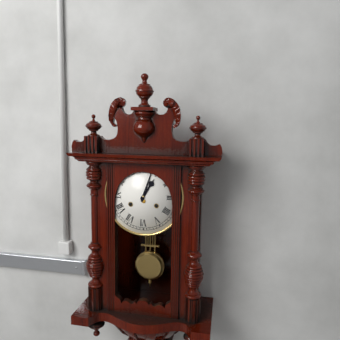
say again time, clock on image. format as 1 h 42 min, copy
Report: 1 h 03 min
